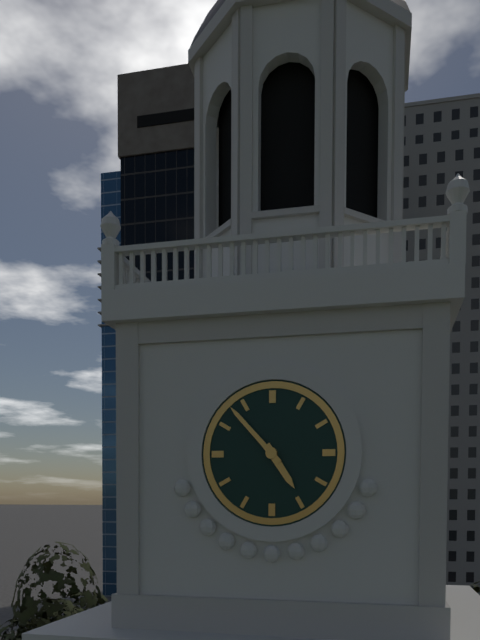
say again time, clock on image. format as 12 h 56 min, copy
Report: 4 h 53 min
